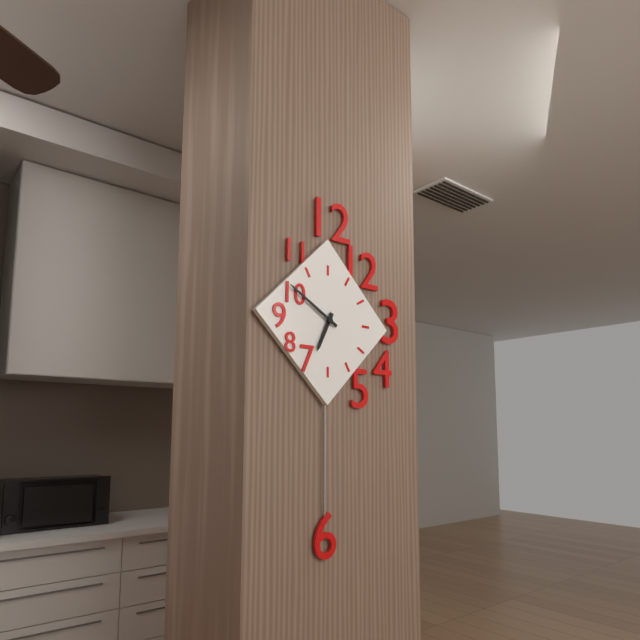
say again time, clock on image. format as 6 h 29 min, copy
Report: 6 h 50 min
